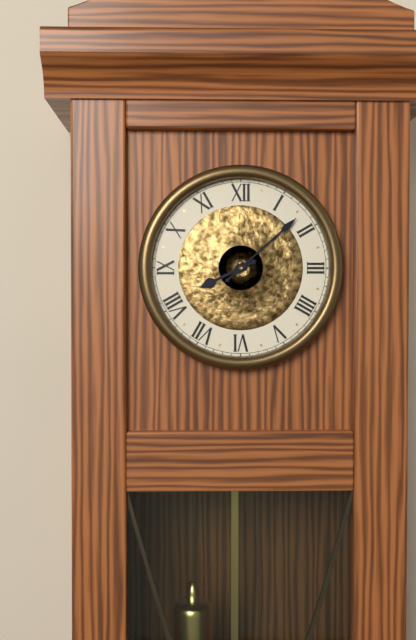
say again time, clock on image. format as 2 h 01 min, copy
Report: 8 h 08 min
